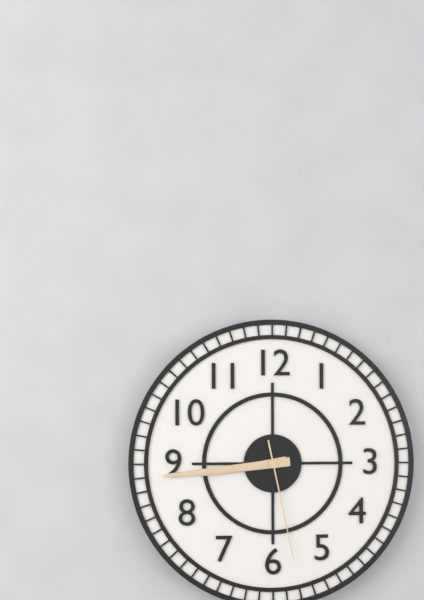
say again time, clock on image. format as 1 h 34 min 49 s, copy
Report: 8 h 44 min 28 s
